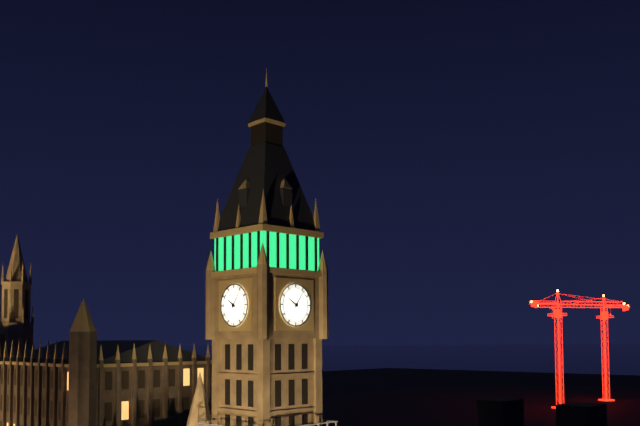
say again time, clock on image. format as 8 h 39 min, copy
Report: 10 h 06 min
